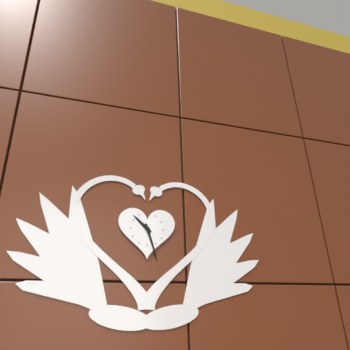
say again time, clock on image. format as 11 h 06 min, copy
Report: 10 h 27 min
